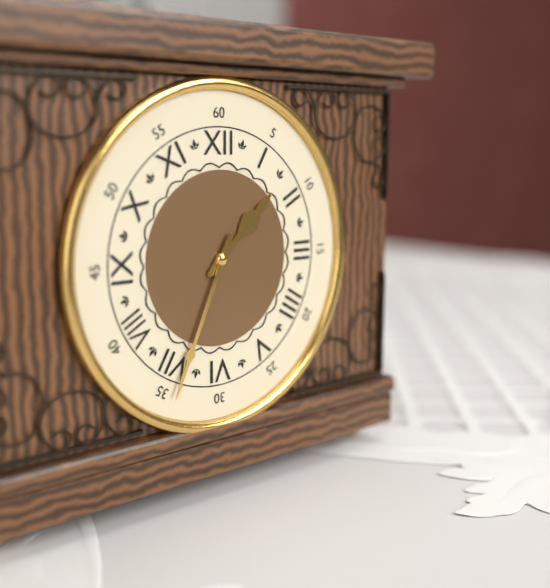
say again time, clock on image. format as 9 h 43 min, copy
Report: 1 h 34 min
